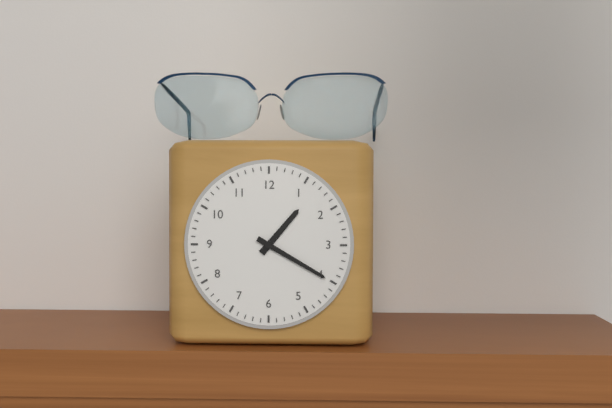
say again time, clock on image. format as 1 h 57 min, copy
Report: 1 h 20 min
